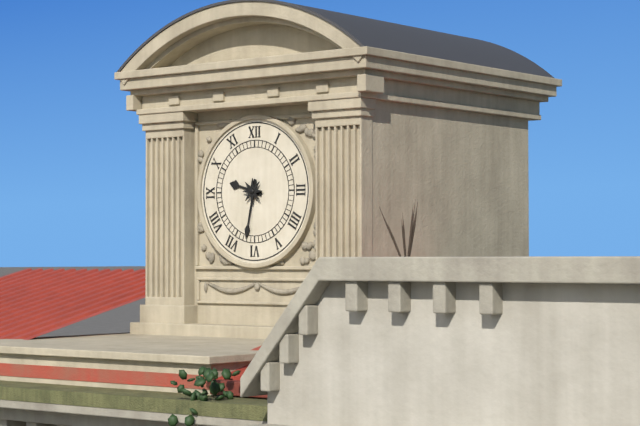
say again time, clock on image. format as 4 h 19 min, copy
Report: 9 h 32 min
